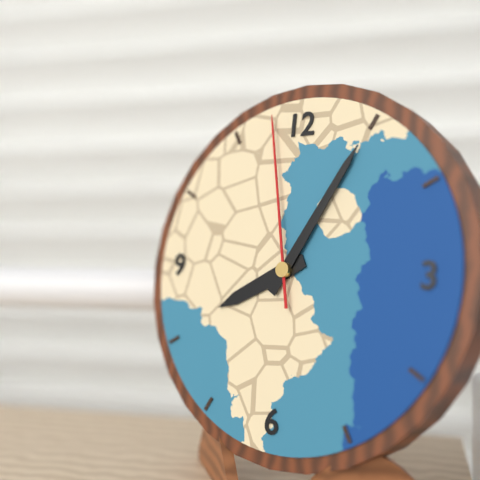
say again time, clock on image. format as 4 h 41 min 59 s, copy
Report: 8 h 05 min 58 s
